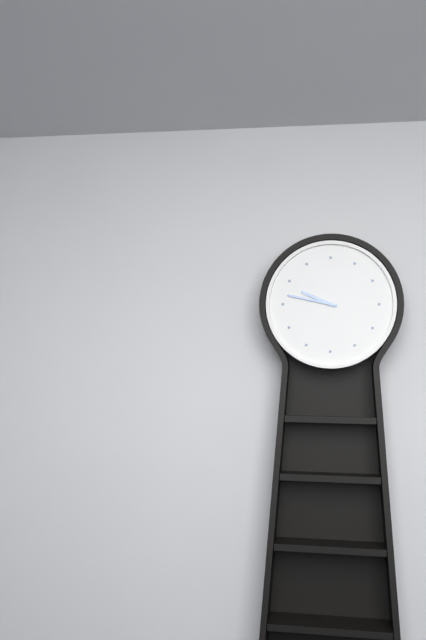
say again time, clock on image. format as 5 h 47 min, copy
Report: 9 h 47 min
